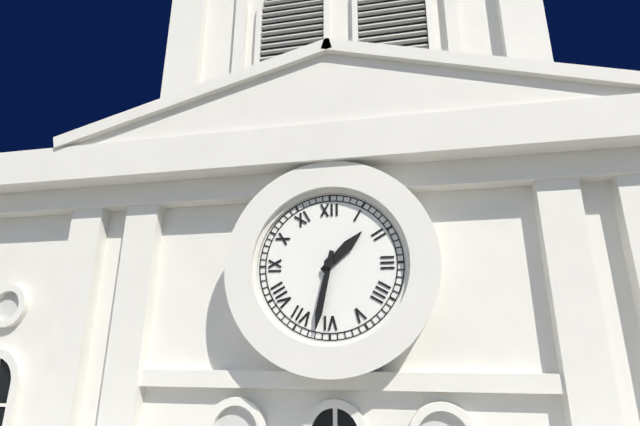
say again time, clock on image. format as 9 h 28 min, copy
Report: 1 h 32 min
